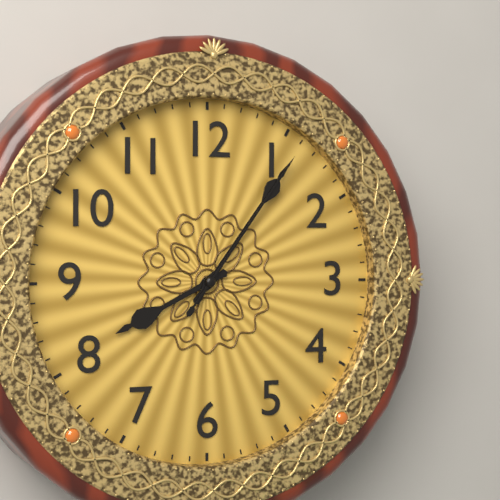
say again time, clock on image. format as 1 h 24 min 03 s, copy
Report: 8 h 06 min 06 s
